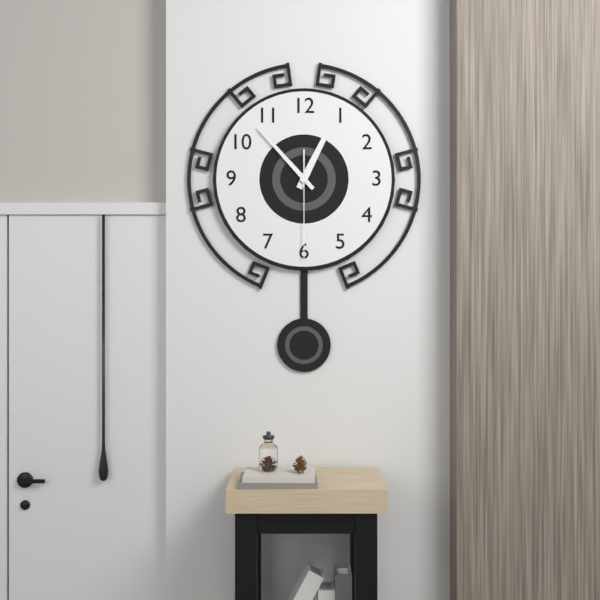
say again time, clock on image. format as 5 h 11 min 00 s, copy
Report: 12 h 53 min 30 s
